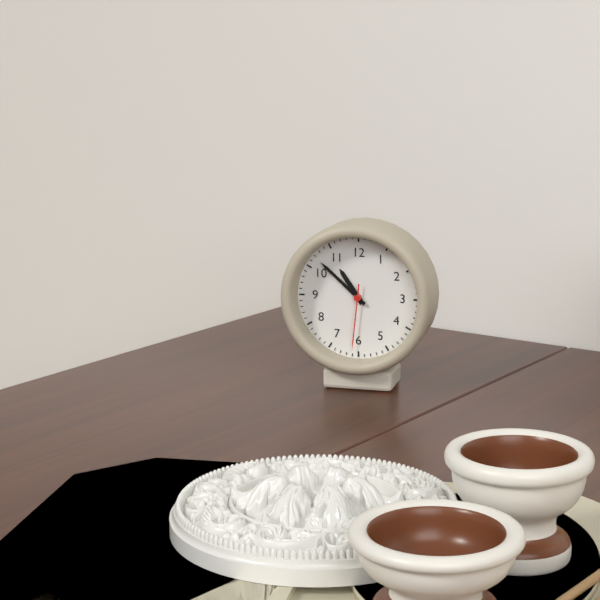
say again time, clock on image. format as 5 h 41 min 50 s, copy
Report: 10 h 52 min 31 s
